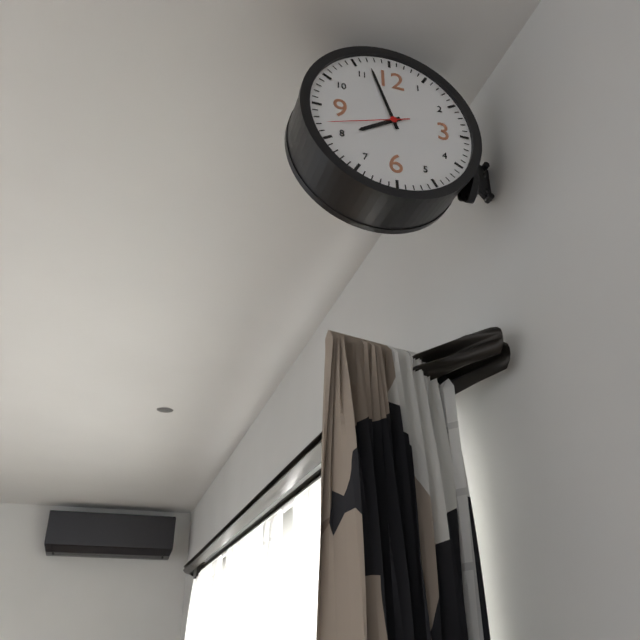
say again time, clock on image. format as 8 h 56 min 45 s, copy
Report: 7 h 57 min 42 s
